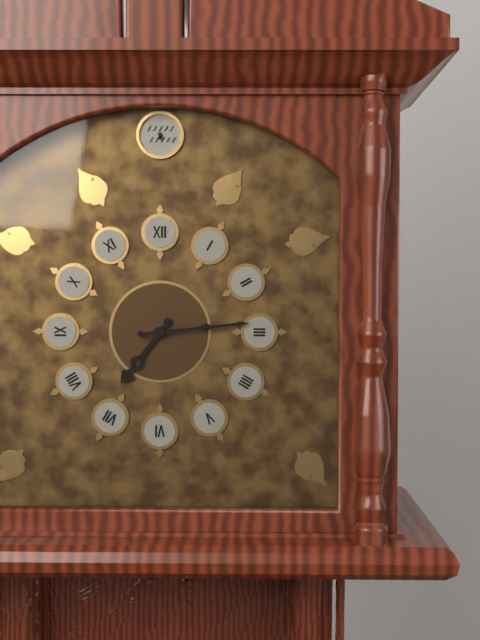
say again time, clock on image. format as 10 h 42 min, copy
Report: 7 h 14 min
